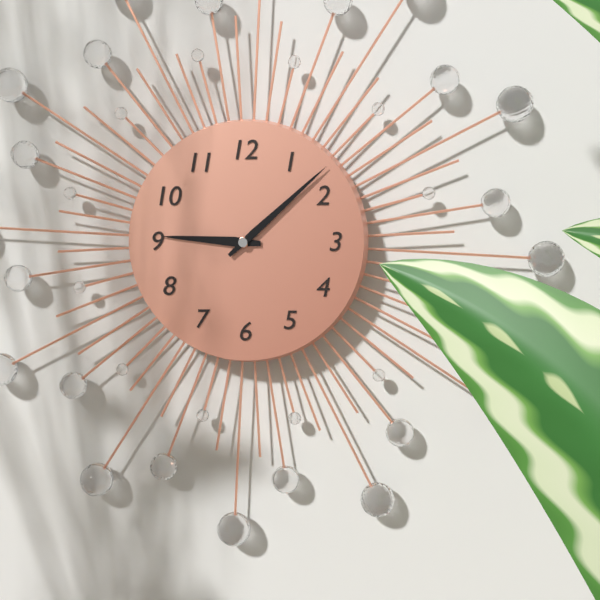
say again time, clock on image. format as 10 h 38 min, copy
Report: 9 h 08 min
